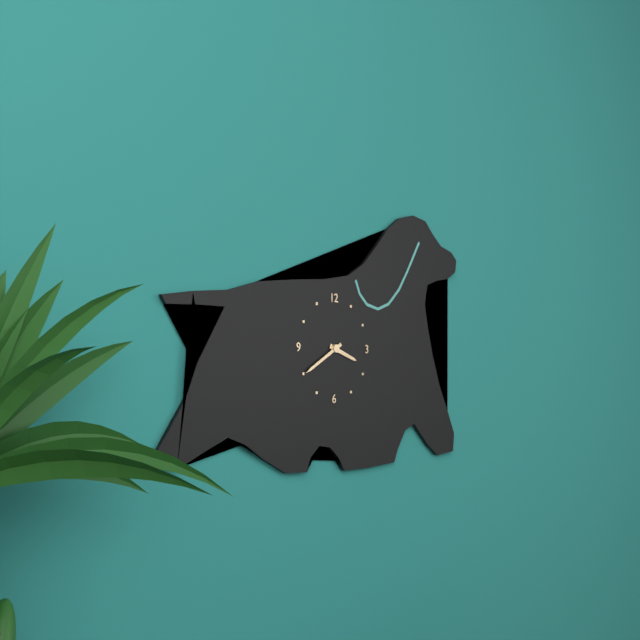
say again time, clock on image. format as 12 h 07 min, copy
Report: 3 h 40 min
